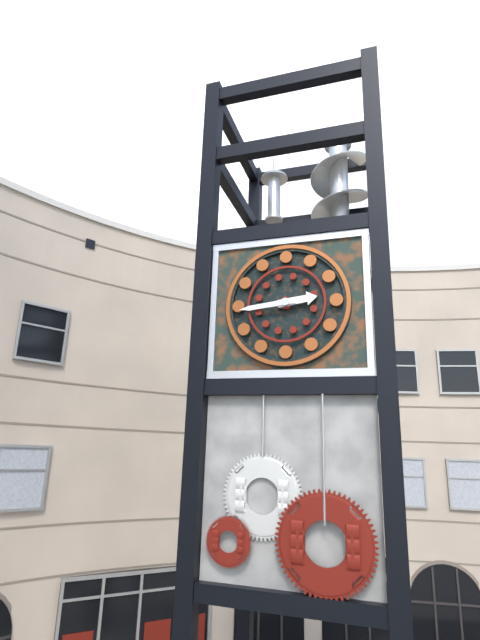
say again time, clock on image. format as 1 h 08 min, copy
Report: 2 h 44 min
